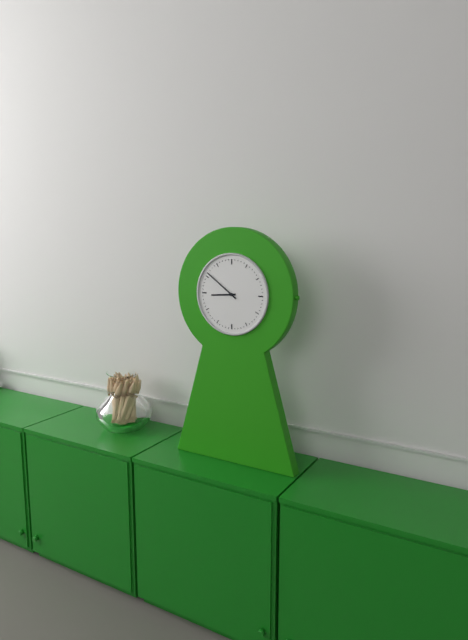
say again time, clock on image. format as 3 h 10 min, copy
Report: 8 h 51 min
